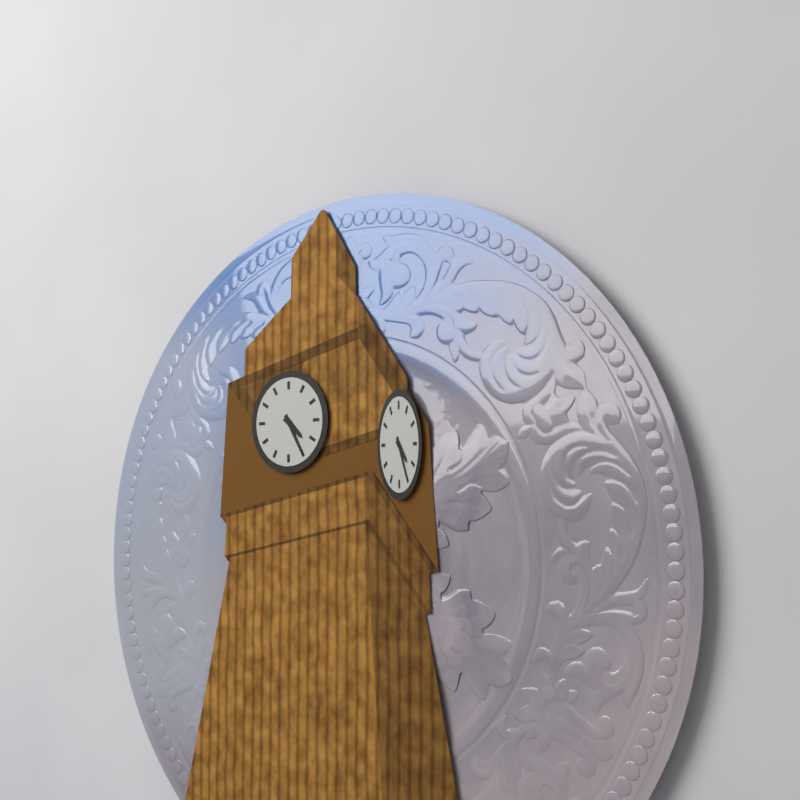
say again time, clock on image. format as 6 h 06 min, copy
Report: 4 h 25 min
